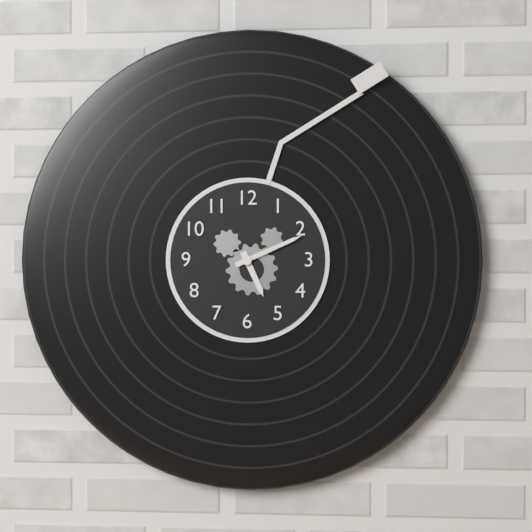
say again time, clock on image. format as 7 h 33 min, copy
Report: 5 h 11 min
